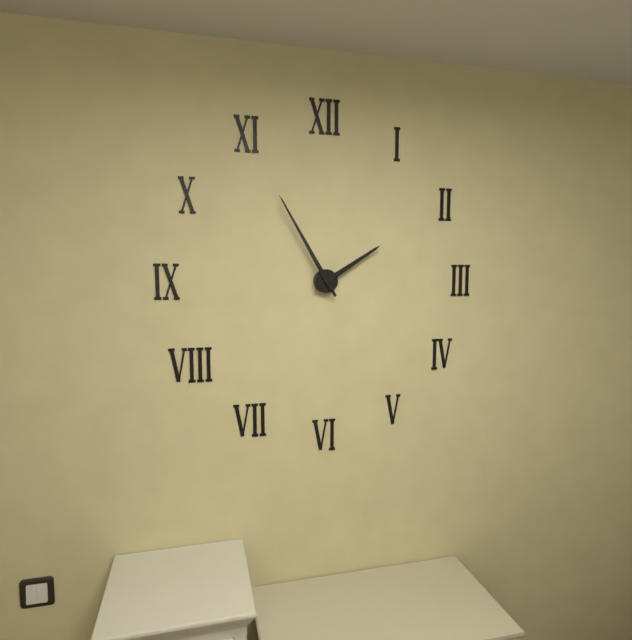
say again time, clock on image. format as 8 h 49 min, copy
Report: 1 h 55 min
